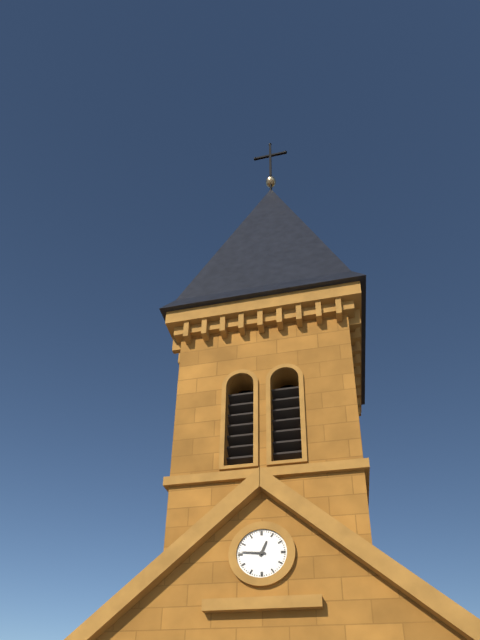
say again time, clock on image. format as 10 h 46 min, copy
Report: 12 h 46 min
